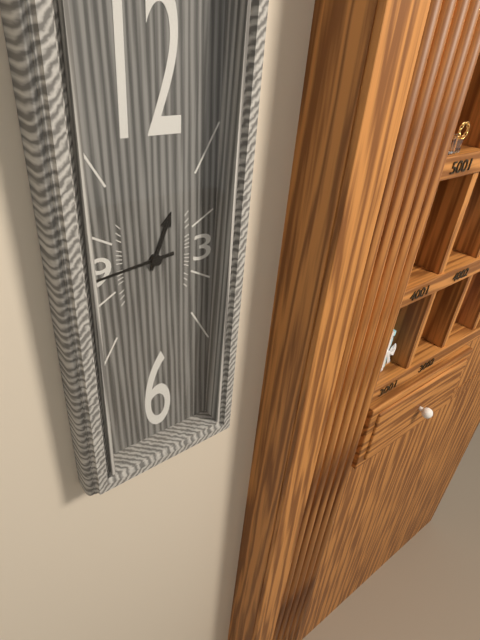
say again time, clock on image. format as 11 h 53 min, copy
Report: 12 h 44 min
